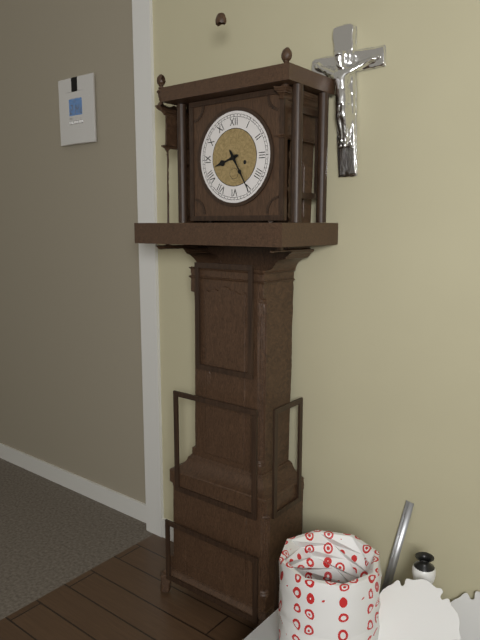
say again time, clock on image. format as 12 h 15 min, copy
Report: 8 h 25 min
